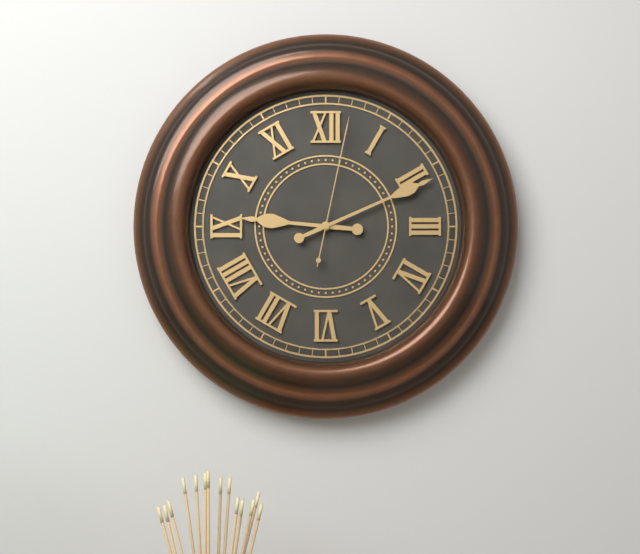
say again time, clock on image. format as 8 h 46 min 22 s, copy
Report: 9 h 11 min 02 s
